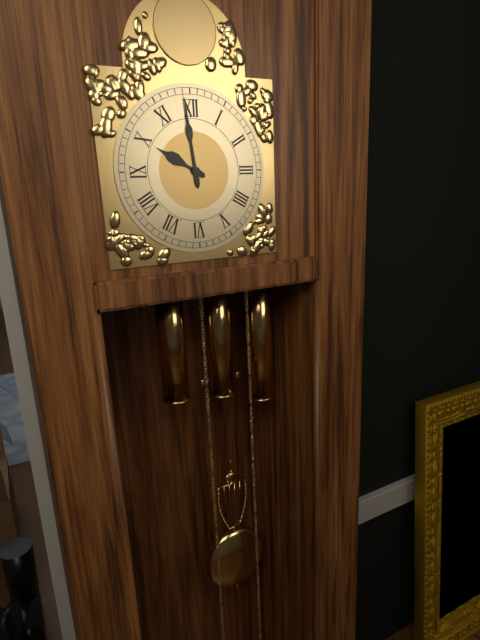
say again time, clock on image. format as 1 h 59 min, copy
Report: 9 h 59 min
